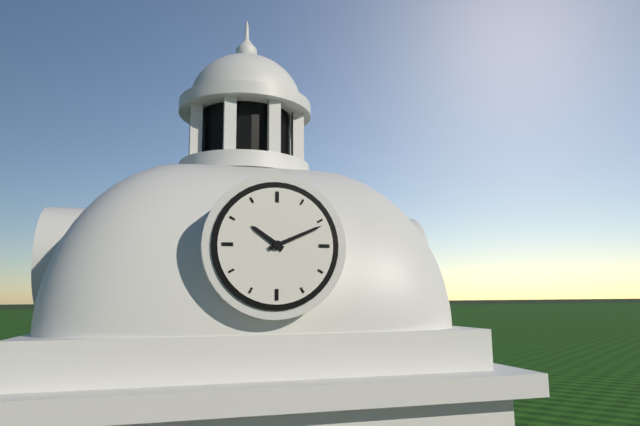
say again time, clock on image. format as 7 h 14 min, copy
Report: 10 h 11 min
